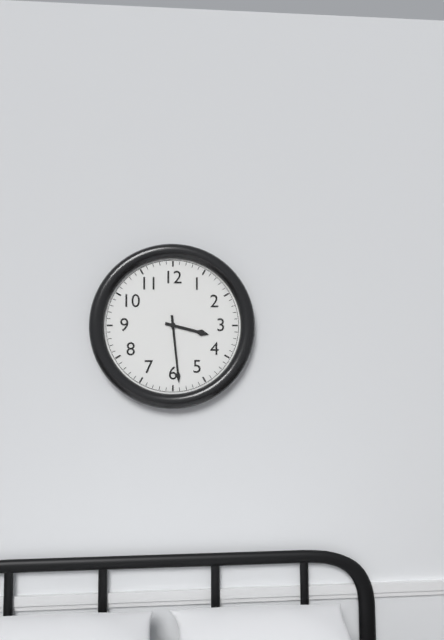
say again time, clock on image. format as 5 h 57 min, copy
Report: 3 h 29 min
